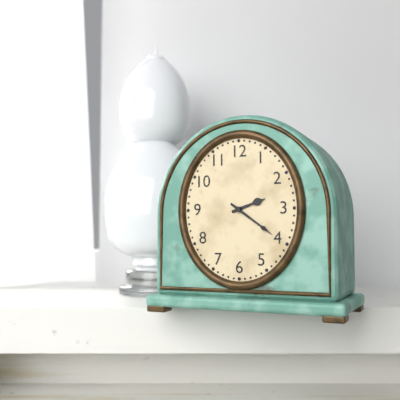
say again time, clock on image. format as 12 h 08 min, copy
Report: 2 h 21 min
